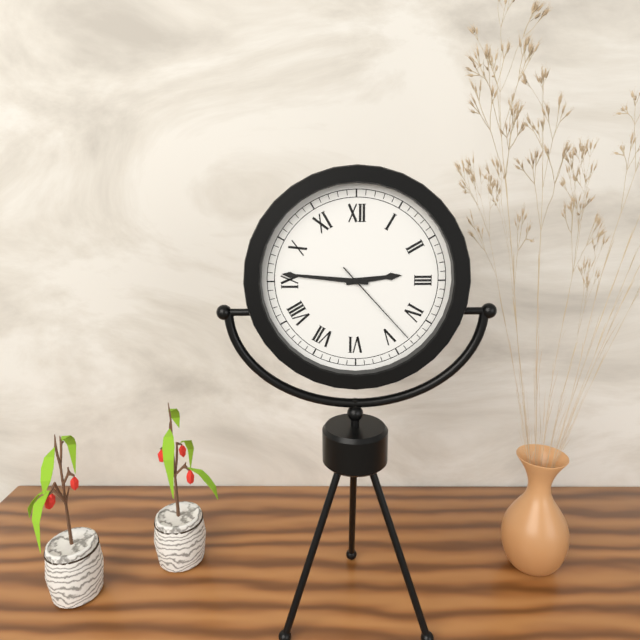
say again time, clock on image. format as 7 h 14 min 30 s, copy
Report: 2 h 46 min 23 s
